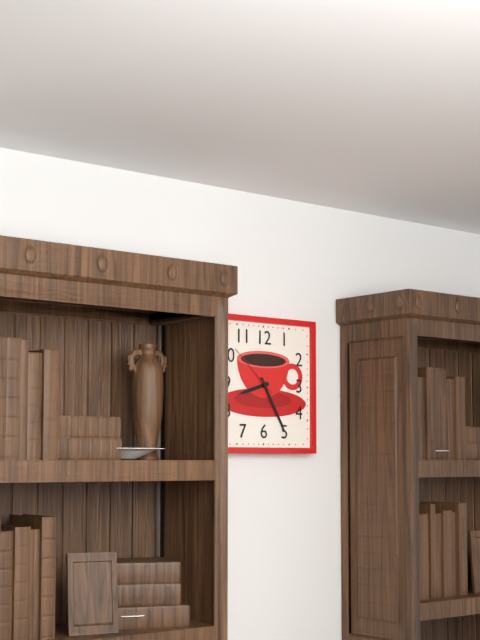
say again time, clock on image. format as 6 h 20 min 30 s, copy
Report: 8 h 25 min 52 s
